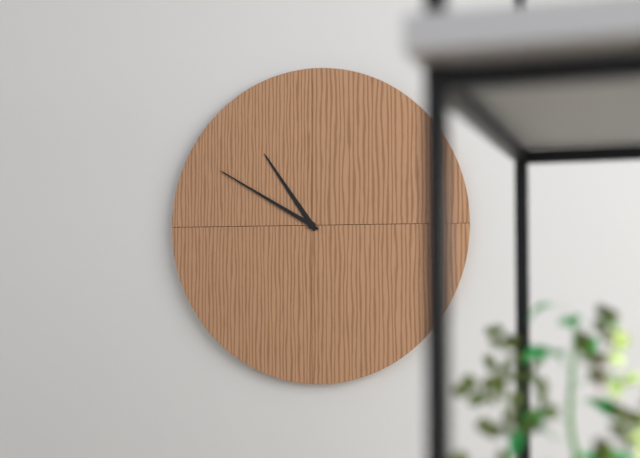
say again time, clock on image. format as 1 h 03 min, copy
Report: 10 h 50 min
